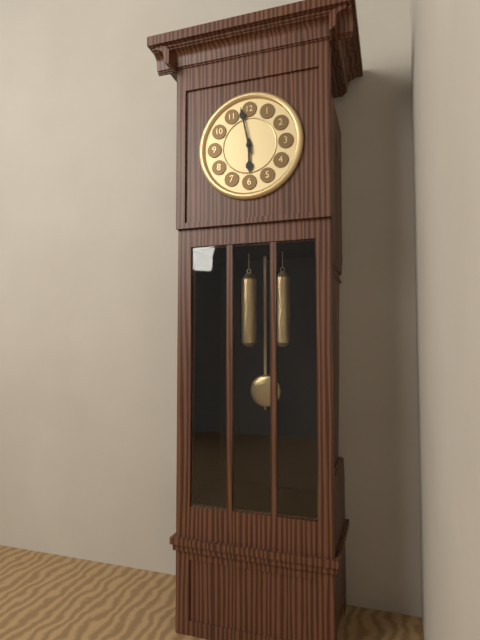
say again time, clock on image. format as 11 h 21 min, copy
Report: 5 h 58 min
